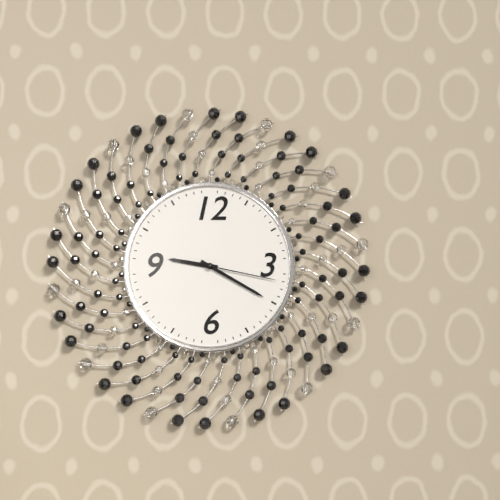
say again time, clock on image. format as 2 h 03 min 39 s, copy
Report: 9 h 20 min 17 s
